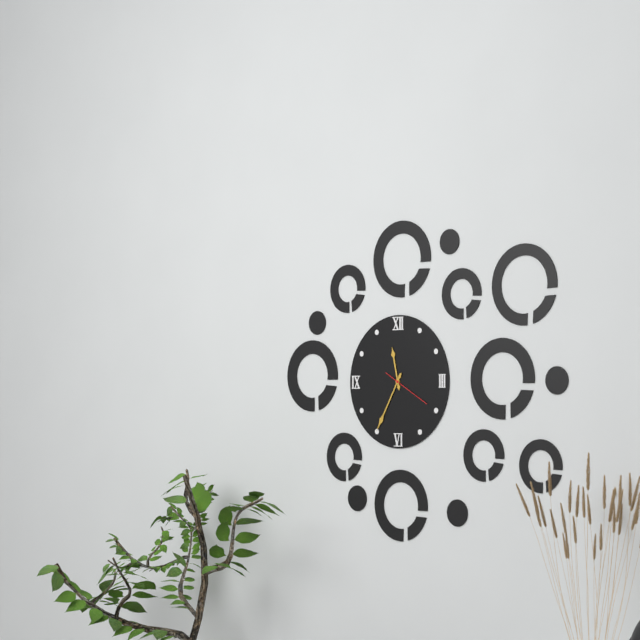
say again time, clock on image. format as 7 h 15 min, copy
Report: 11 h 35 min
